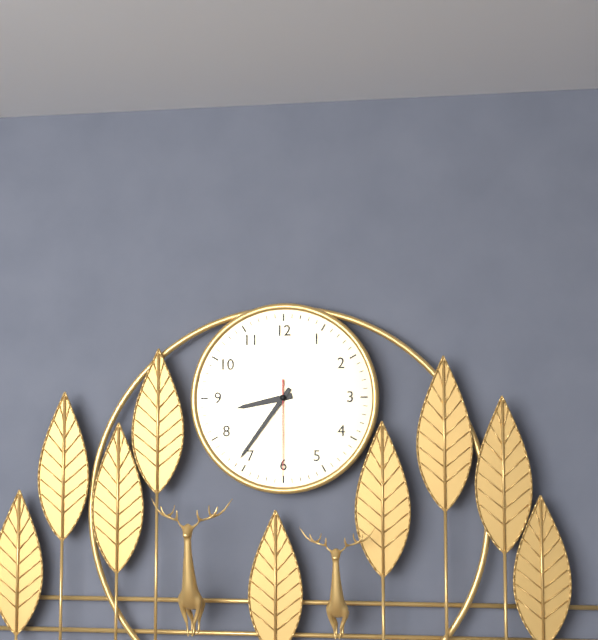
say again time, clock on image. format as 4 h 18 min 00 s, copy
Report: 8 h 36 min 30 s
